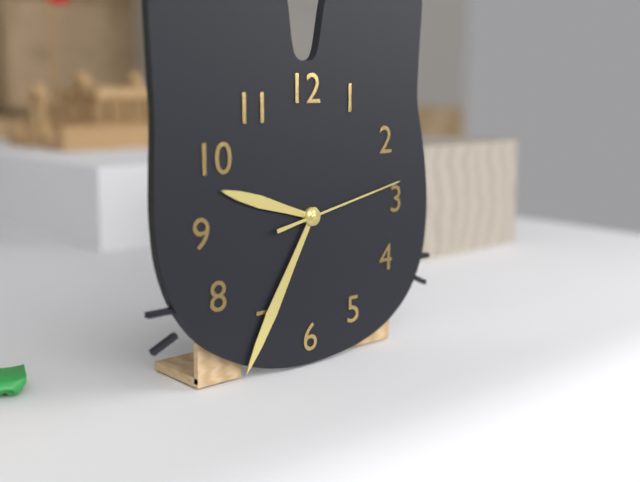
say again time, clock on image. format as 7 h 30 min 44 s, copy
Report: 9 h 35 min 13 s
